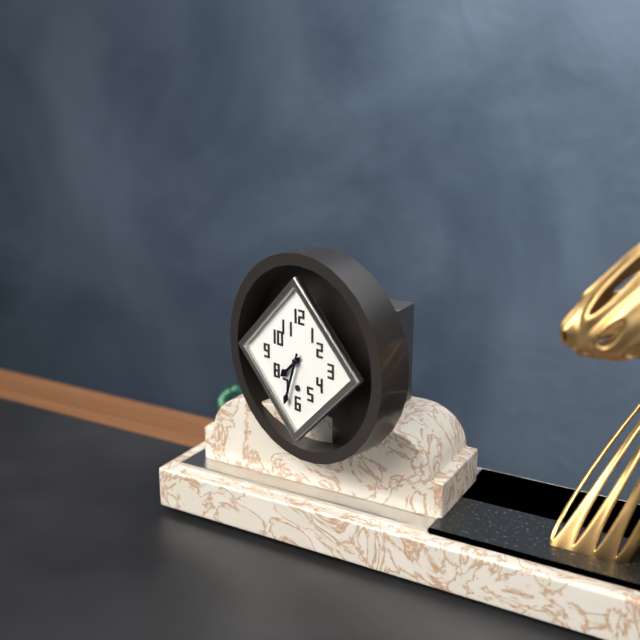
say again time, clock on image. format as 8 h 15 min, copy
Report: 7 h 33 min
